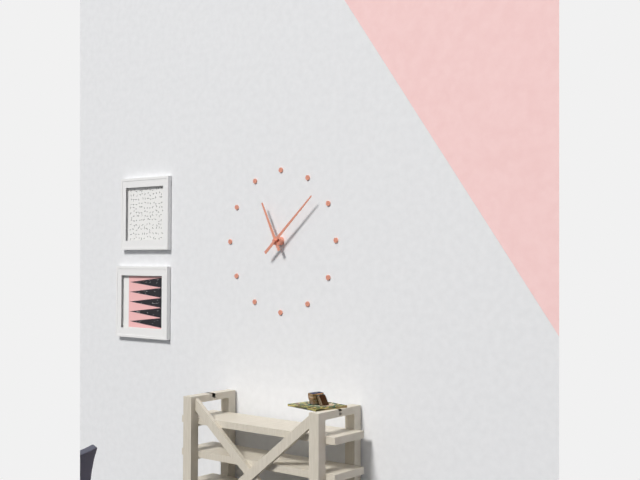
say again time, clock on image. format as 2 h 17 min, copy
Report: 11 h 08 min
